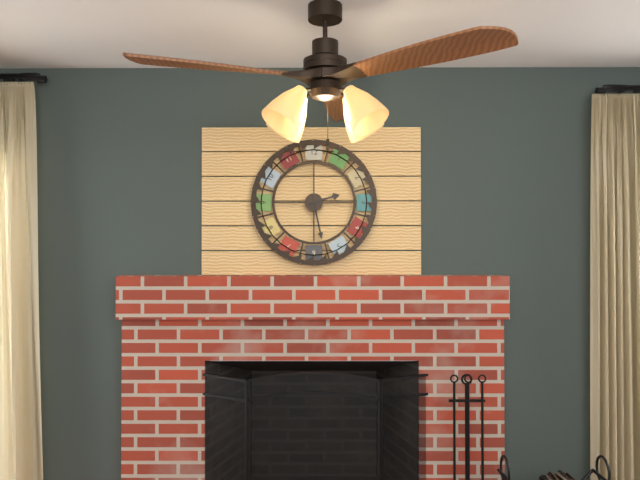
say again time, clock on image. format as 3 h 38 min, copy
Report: 2 h 28 min
